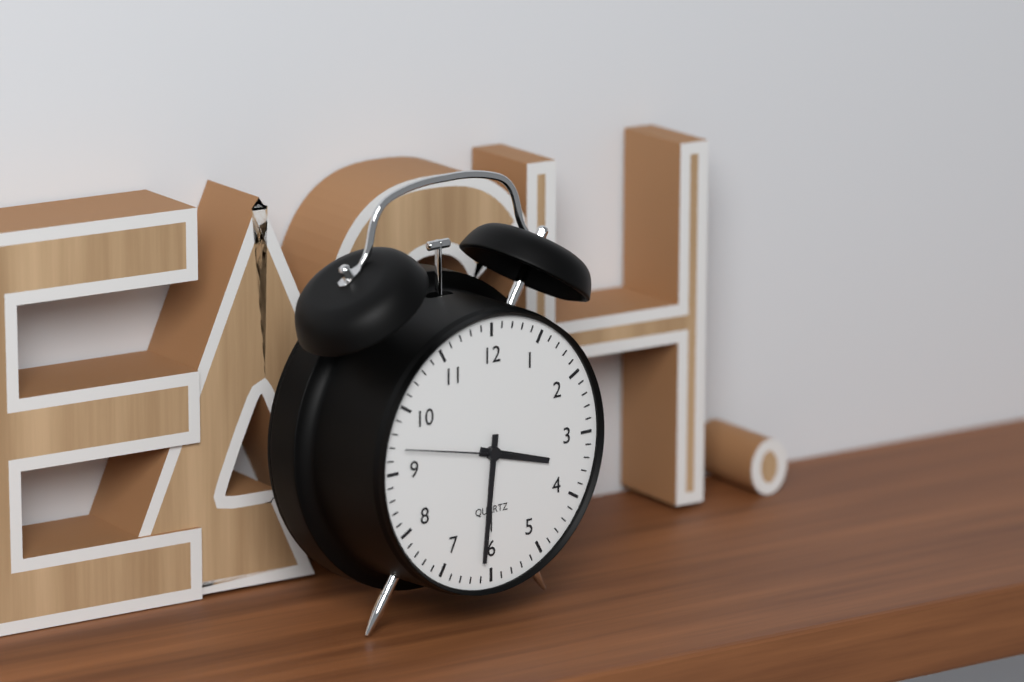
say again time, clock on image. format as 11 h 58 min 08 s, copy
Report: 3 h 31 min 47 s
